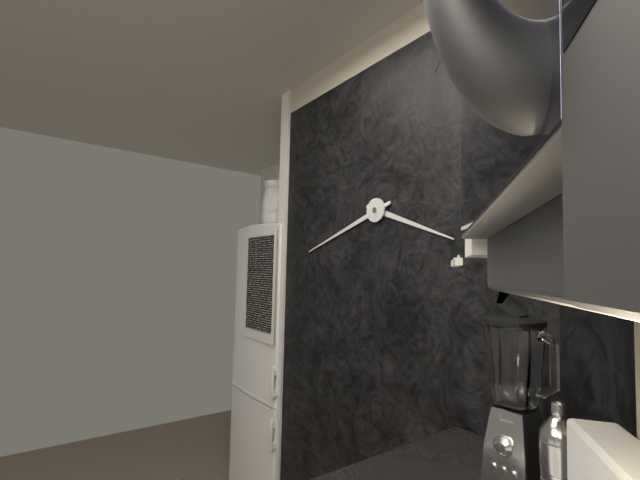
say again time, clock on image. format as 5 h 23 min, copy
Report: 3 h 42 min
